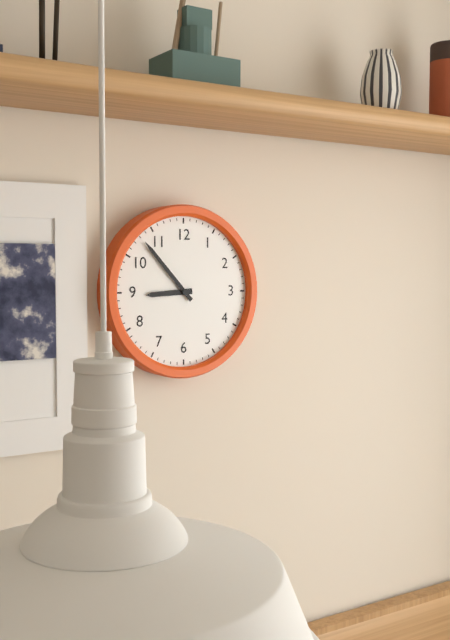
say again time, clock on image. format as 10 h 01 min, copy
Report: 8 h 53 min
